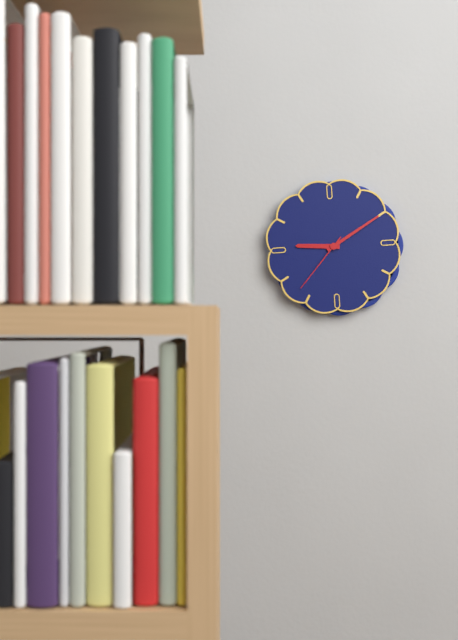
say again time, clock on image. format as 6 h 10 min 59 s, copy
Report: 9 h 10 min 37 s
